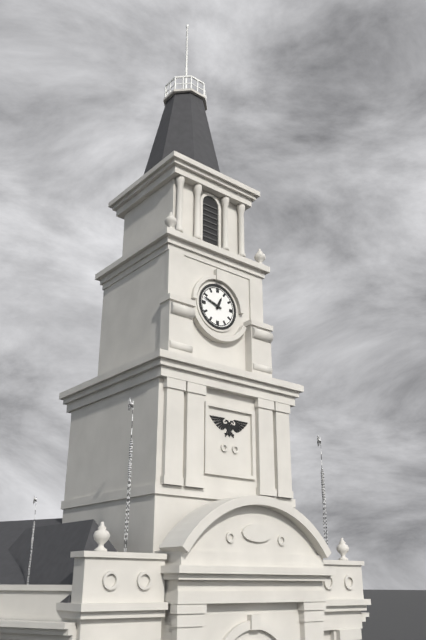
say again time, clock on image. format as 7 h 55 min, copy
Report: 12 h 48 min
